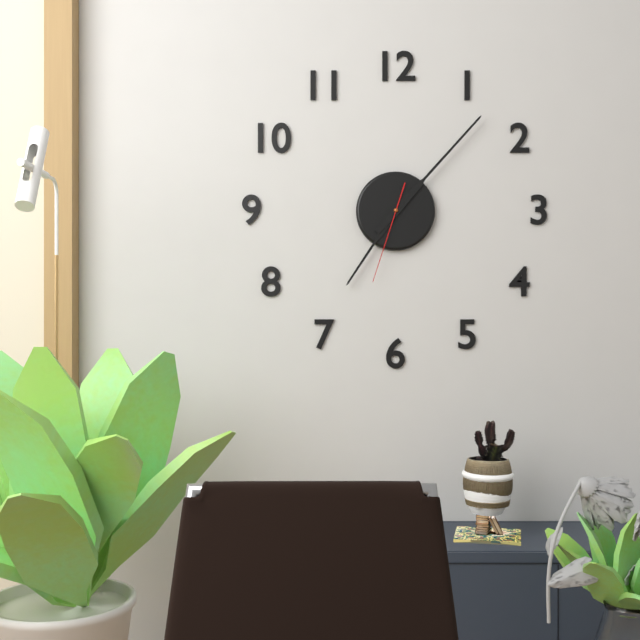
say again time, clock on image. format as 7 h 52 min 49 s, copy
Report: 7 h 07 min 33 s
